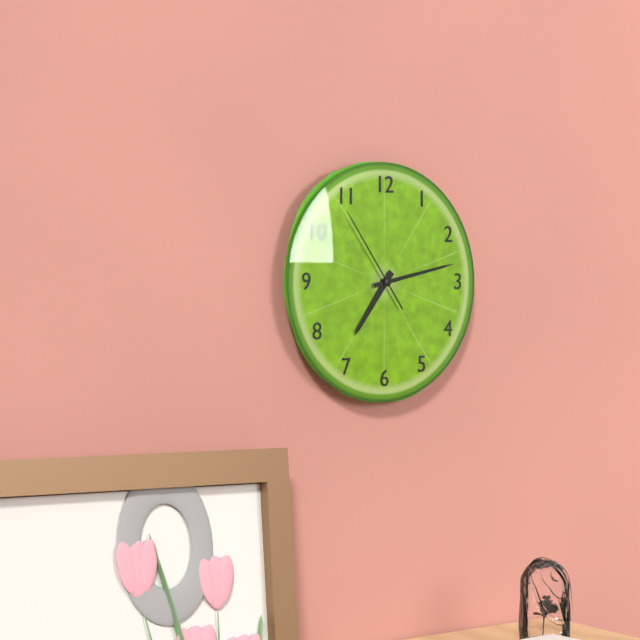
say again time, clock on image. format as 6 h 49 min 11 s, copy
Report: 7 h 13 min 54 s
